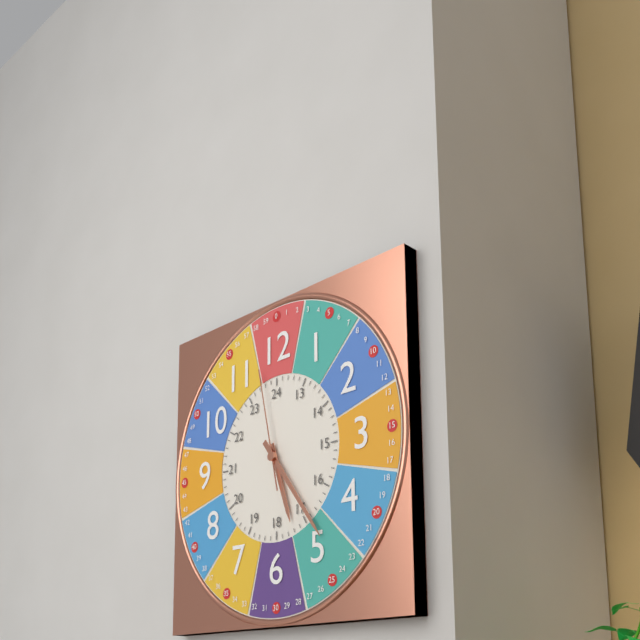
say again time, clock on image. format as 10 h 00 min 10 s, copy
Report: 5 h 24 min 58 s
